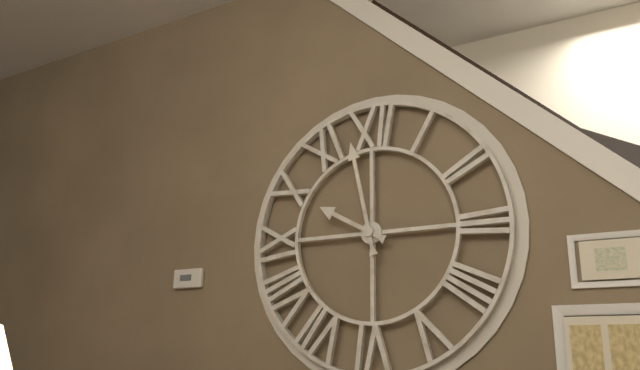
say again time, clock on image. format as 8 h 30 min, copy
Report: 9 h 58 min
